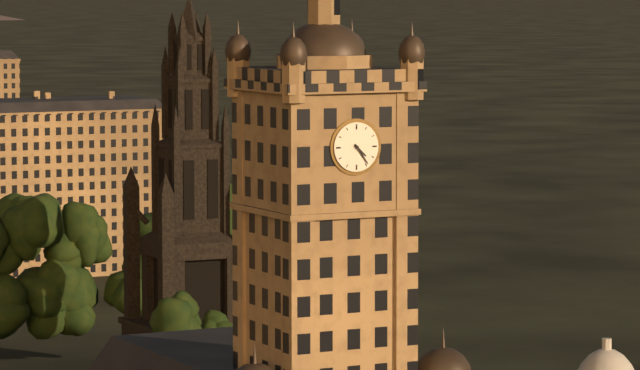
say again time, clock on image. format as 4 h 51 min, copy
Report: 4 h 24 min
